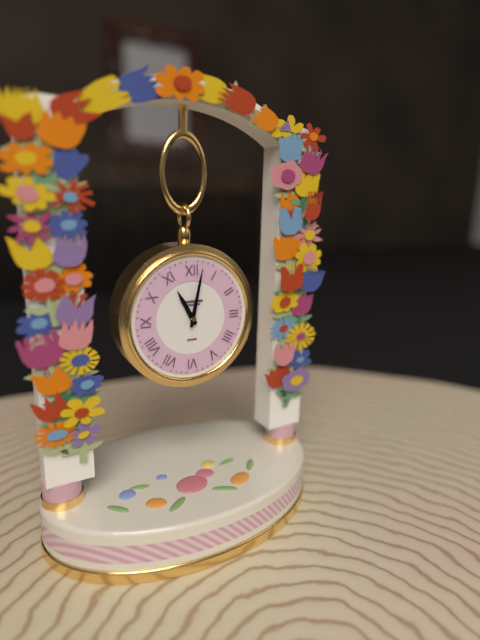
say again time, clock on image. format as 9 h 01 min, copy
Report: 11 h 02 min
